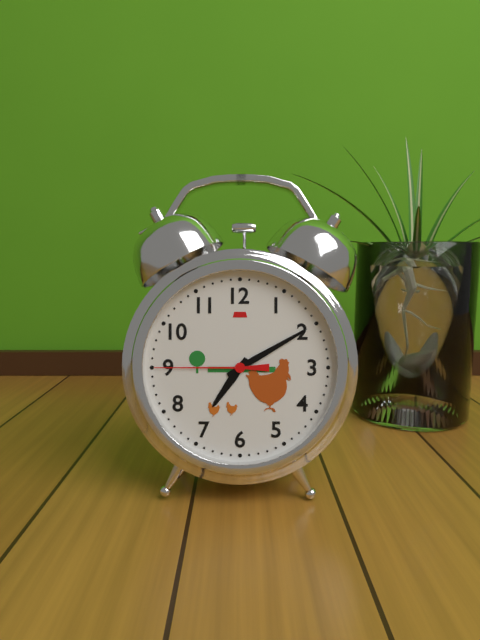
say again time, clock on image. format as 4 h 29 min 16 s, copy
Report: 7 h 10 min 45 s
